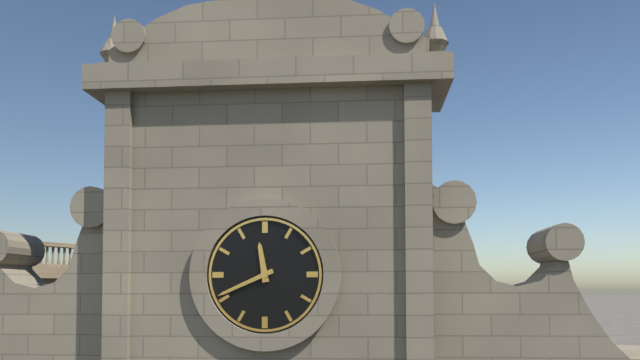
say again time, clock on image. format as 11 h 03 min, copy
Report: 11 h 41 min
